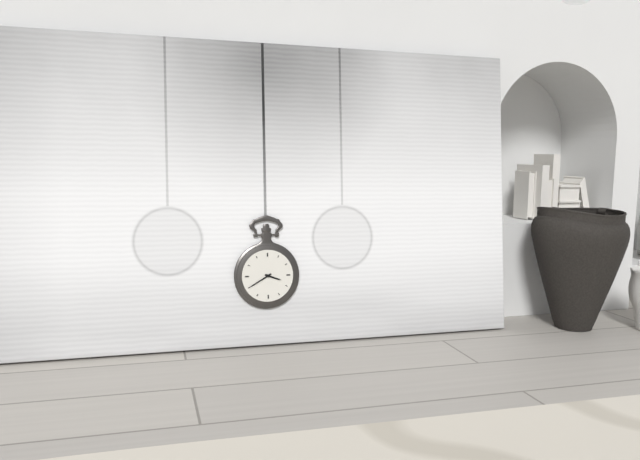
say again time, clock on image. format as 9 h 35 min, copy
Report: 3 h 40 min
